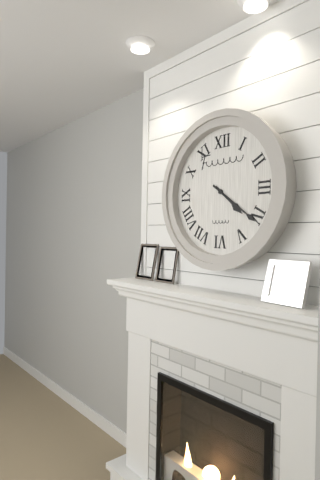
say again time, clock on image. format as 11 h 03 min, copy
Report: 4 h 21 min
